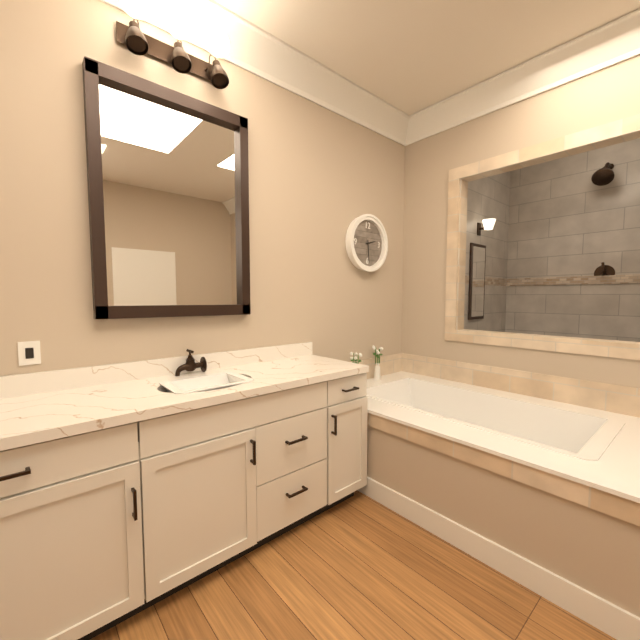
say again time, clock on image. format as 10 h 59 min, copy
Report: 2 h 29 min
